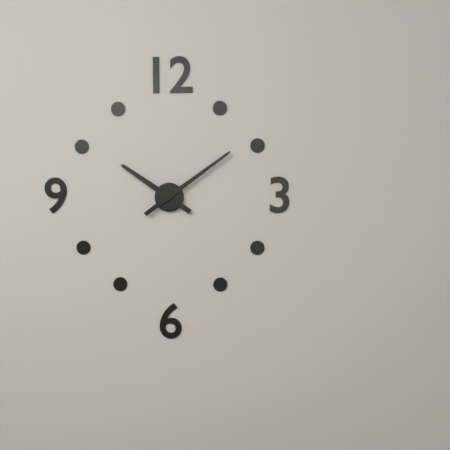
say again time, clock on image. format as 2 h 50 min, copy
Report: 10 h 09 min
